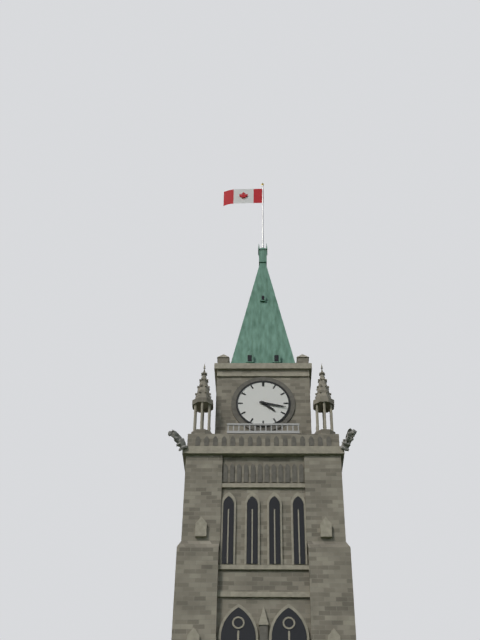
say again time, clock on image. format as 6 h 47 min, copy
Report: 4 h 17 min
